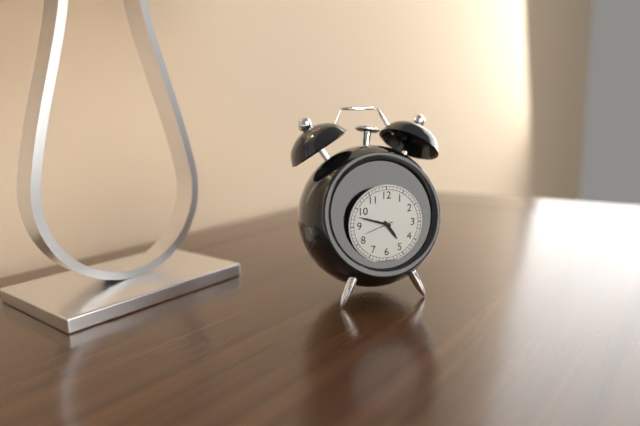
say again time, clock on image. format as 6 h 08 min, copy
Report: 4 h 48 min
